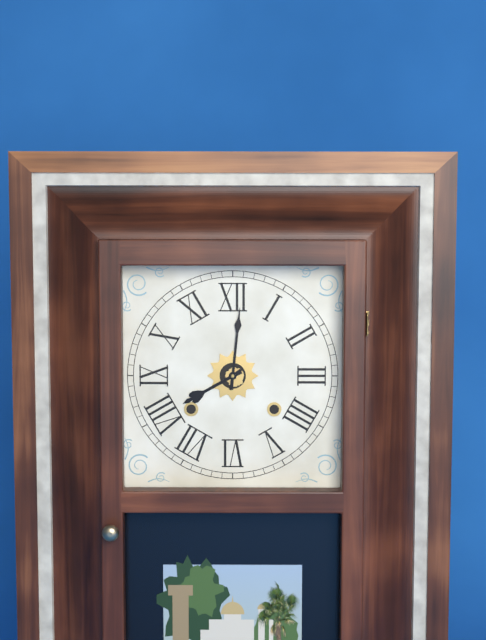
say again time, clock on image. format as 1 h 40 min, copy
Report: 8 h 01 min
